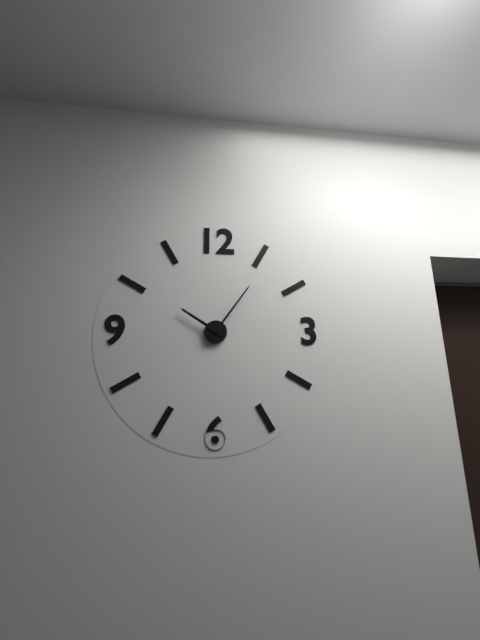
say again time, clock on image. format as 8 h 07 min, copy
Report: 10 h 06 min
